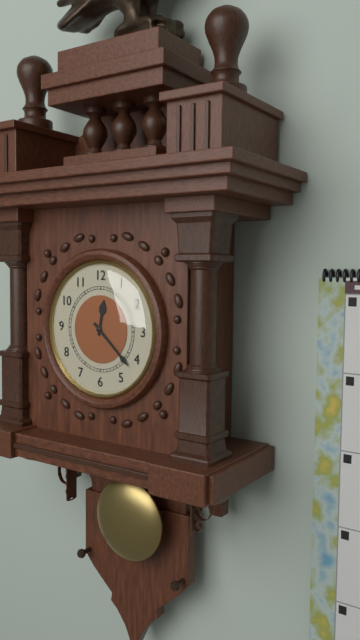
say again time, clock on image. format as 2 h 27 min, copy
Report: 12 h 22 min
